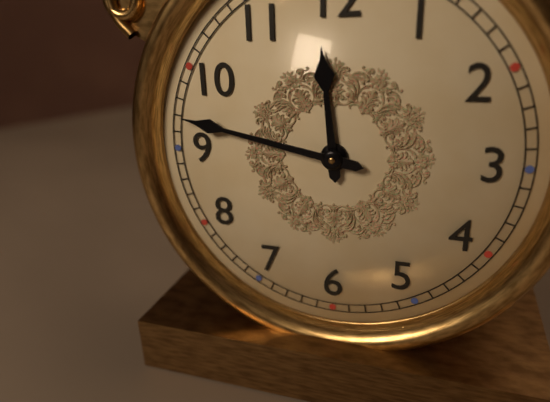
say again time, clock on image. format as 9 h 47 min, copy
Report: 11 h 47 min
